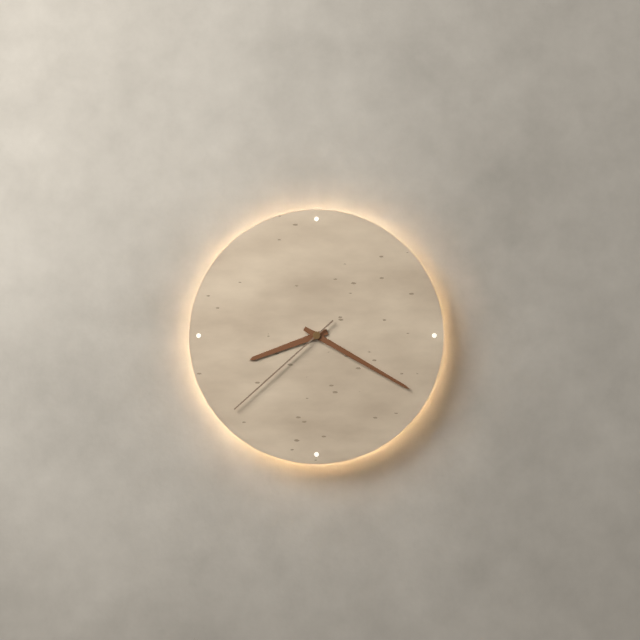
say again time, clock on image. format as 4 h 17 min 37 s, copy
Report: 8 h 20 min 38 s
